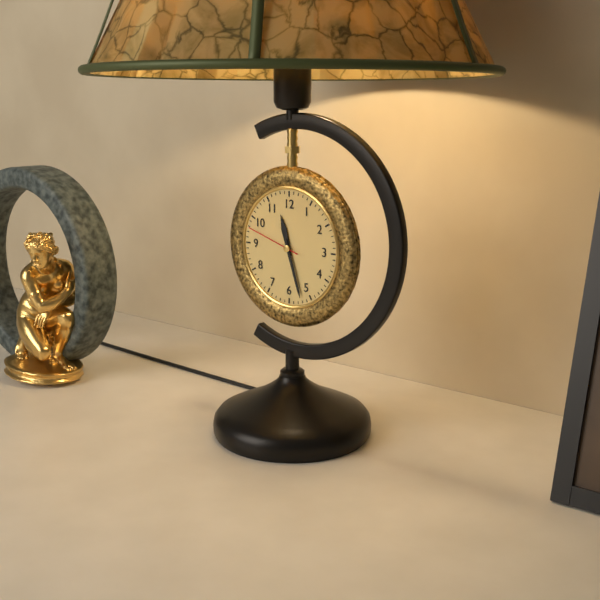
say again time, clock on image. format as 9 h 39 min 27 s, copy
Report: 11 h 27 min 48 s
